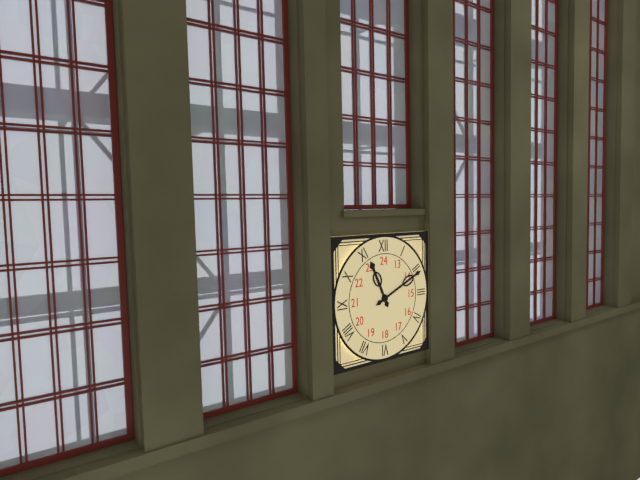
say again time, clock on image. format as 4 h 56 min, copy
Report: 11 h 11 min
